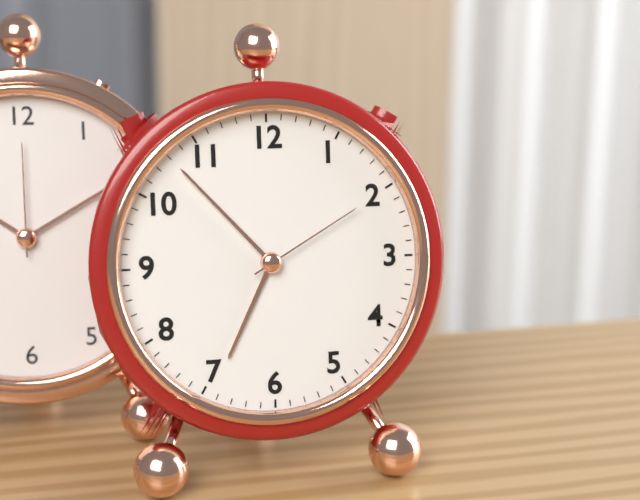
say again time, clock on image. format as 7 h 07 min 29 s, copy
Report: 6 h 53 min 10 s
